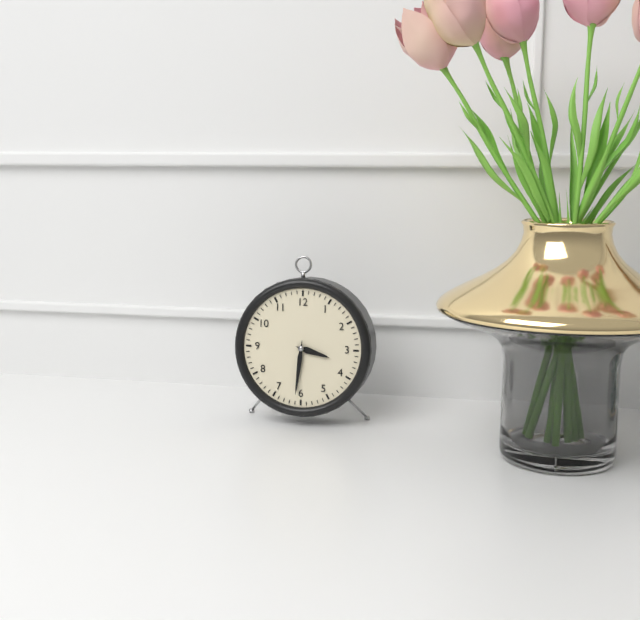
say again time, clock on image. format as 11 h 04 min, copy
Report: 3 h 31 min
